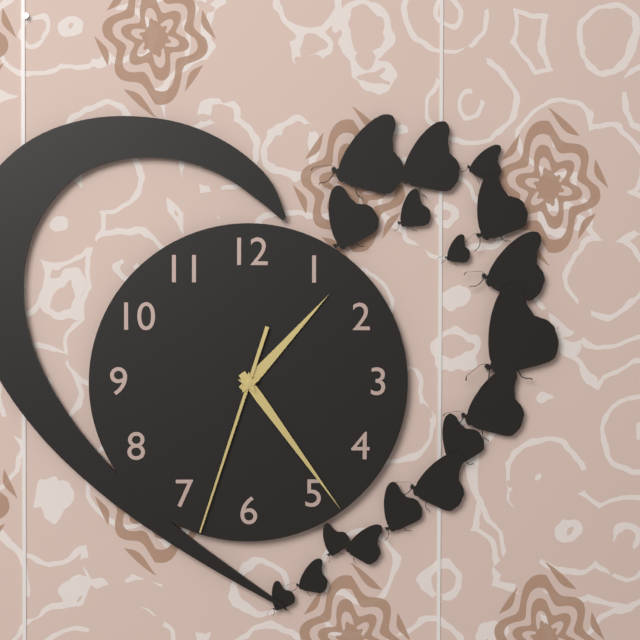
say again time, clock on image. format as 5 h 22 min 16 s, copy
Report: 1 h 24 min 33 s
